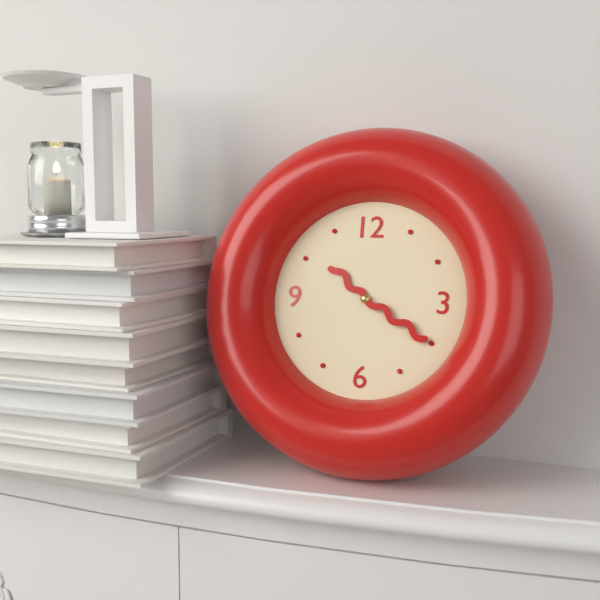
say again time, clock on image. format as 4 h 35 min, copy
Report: 10 h 20 min
